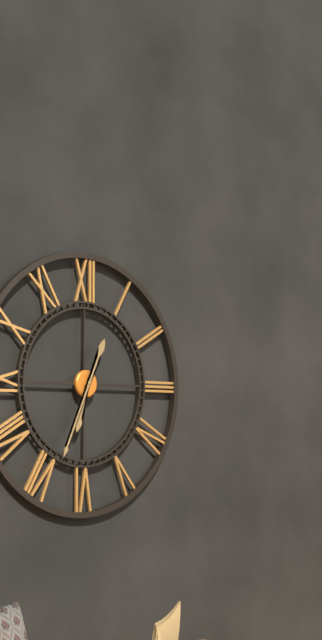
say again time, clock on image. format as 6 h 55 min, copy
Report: 6 h 34 min
